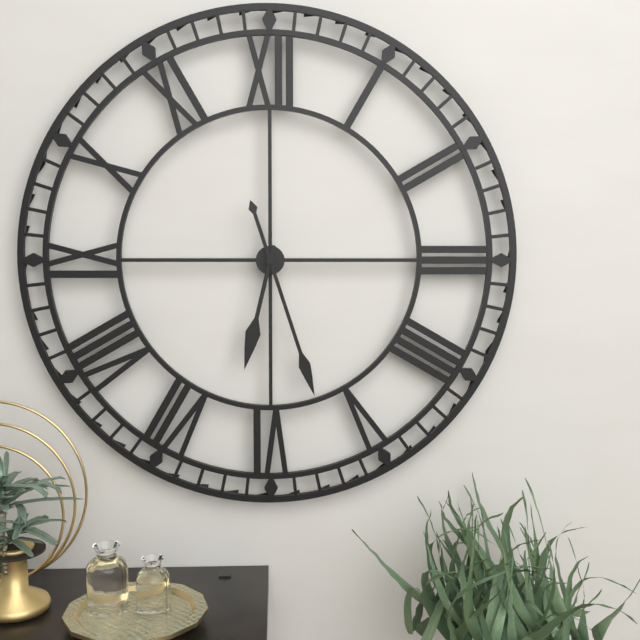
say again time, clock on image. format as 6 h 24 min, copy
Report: 6 h 27 min
